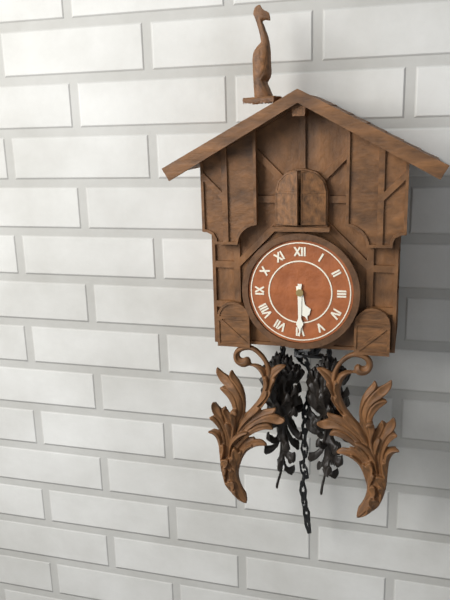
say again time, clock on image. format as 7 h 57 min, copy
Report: 5 h 30 min
